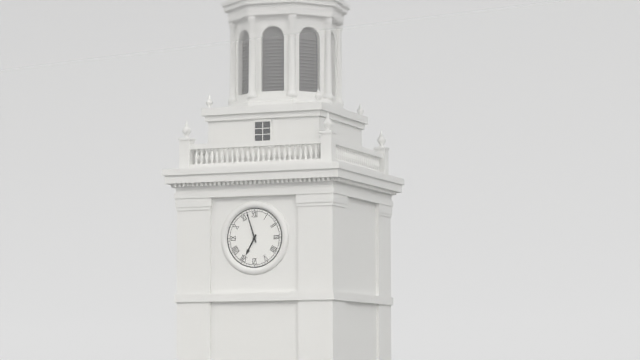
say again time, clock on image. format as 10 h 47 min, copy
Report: 6 h 57 min
